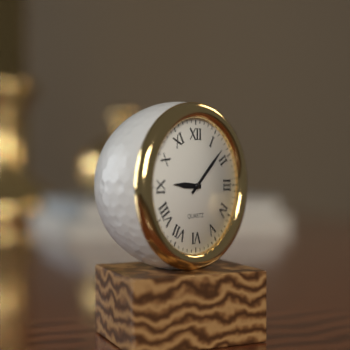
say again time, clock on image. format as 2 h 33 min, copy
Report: 9 h 08 min
